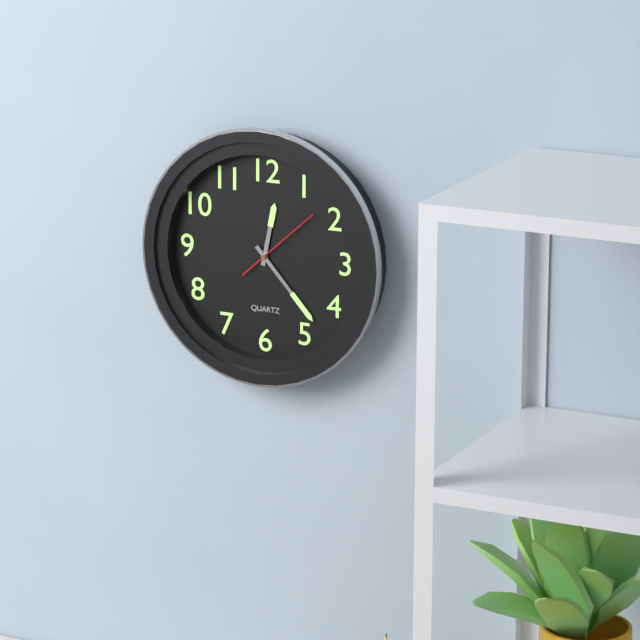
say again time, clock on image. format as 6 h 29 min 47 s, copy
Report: 12 h 23 min 08 s
